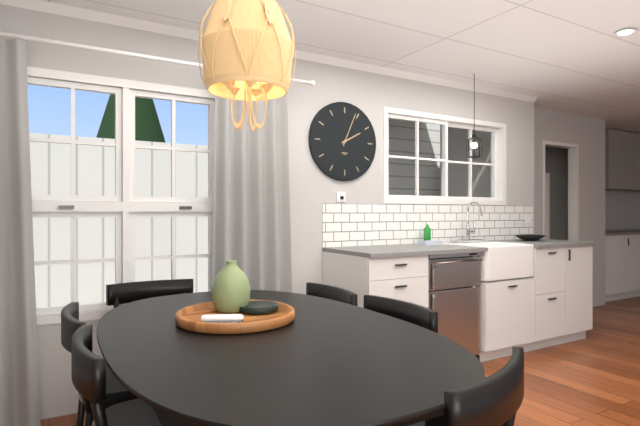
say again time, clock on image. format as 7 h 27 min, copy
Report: 2 h 04 min
